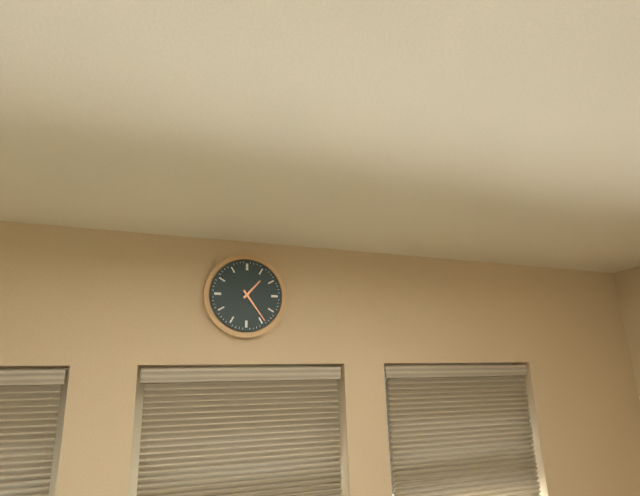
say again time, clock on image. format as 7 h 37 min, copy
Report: 1 h 24 min
